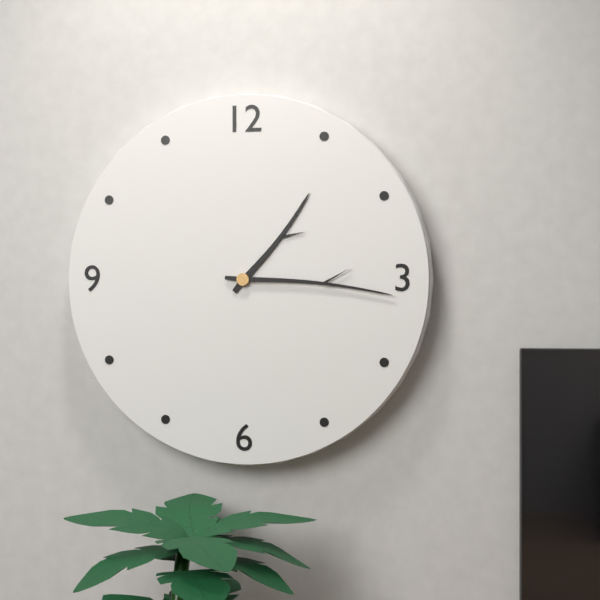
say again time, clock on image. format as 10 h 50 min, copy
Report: 1 h 16 min
